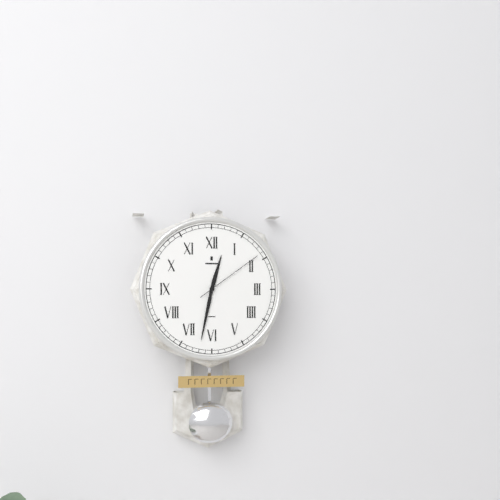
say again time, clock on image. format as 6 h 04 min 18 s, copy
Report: 12 h 32 min 09 s
